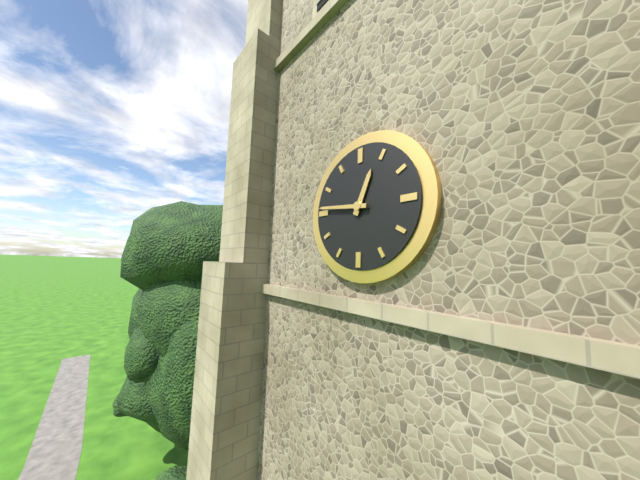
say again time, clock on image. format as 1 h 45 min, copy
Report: 12 h 46 min
